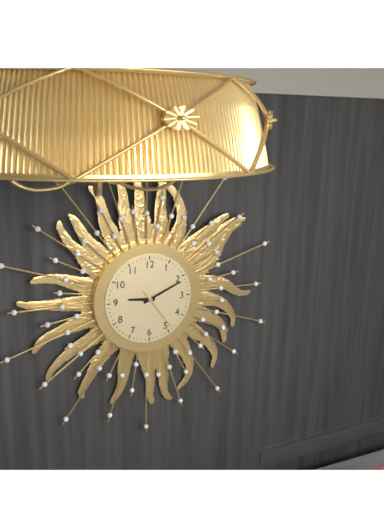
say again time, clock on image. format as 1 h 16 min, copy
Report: 9 h 11 min
